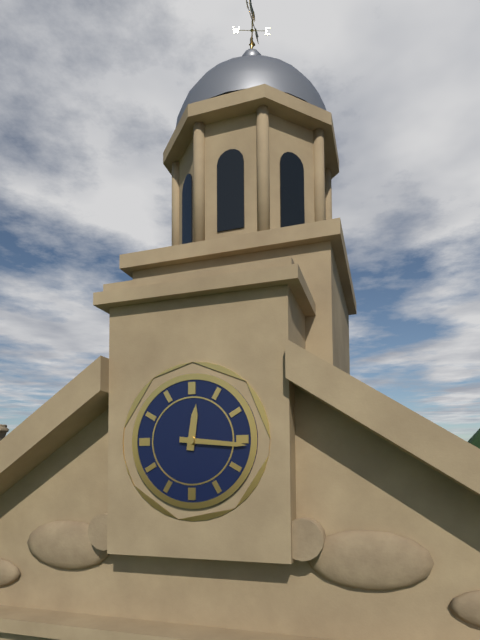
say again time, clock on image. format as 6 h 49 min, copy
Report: 12 h 16 min
